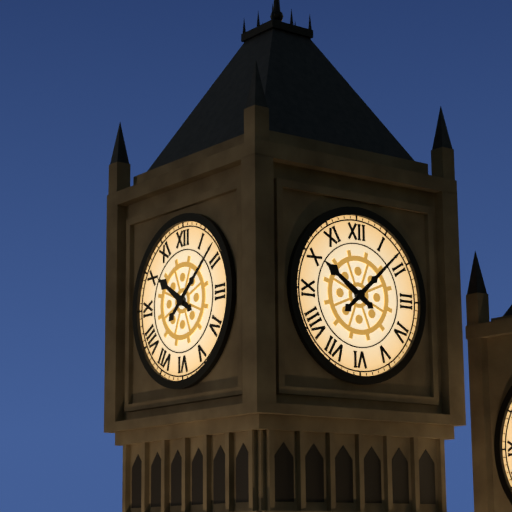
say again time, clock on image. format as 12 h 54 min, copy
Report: 10 h 08 min
